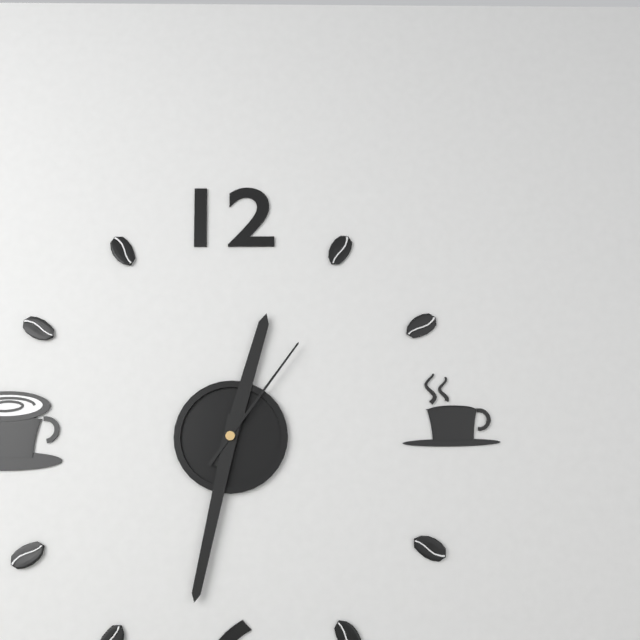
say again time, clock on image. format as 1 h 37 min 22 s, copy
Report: 12 h 32 min 06 s
